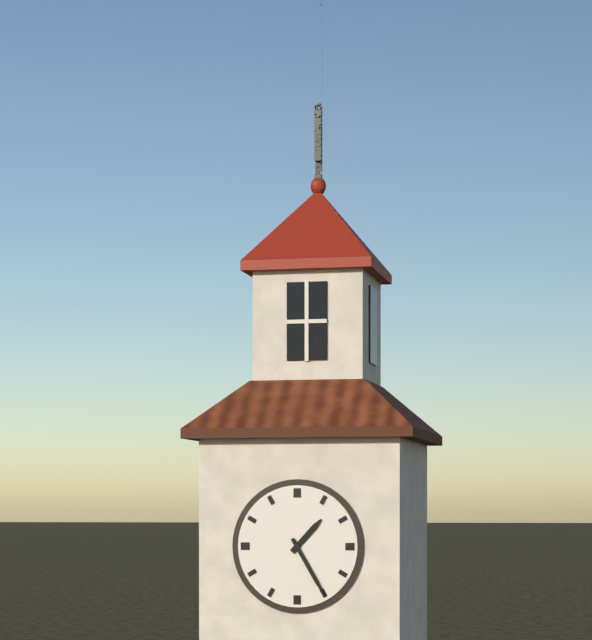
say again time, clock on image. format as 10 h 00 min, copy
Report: 1 h 25 min
